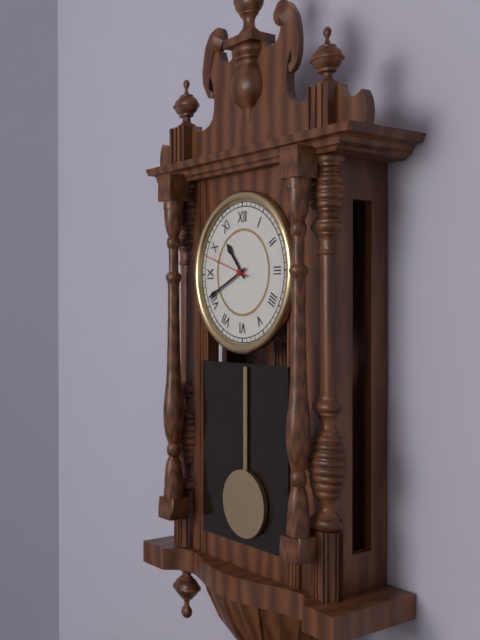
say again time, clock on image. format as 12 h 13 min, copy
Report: 10 h 41 min
